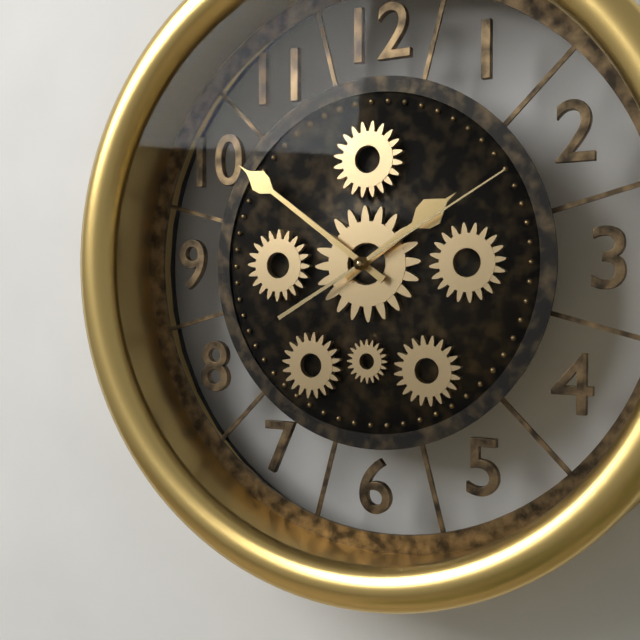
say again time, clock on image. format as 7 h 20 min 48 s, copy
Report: 1 h 51 min 10 s
